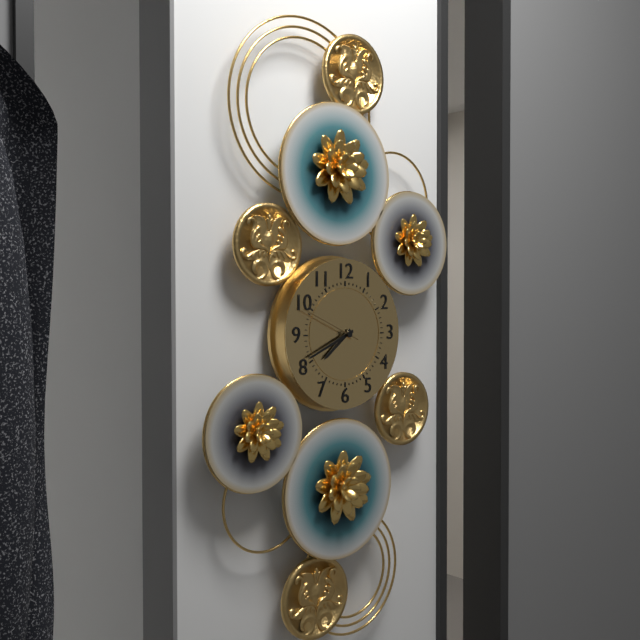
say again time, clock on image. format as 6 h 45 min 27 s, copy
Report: 7 h 41 min 49 s
